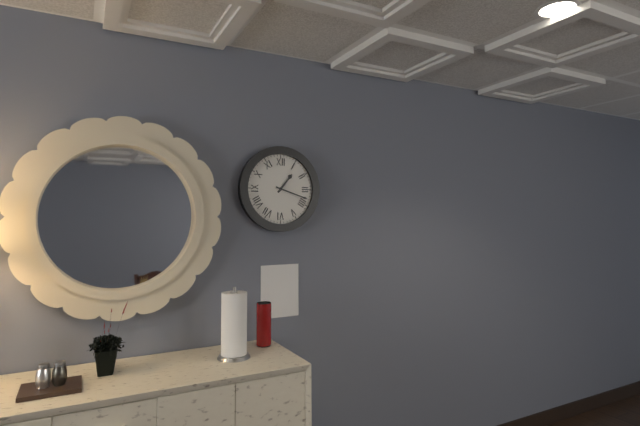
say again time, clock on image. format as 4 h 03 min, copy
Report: 1 h 18 min
